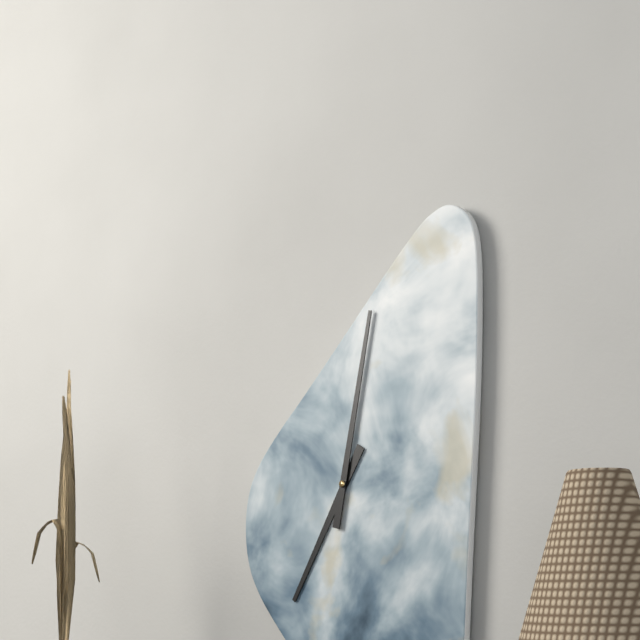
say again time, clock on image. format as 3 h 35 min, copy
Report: 7 h 02 min
